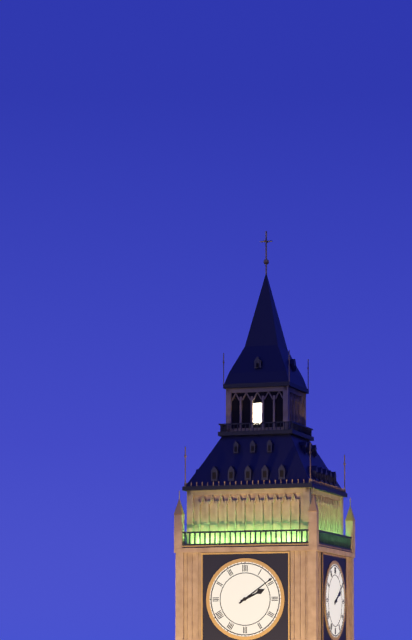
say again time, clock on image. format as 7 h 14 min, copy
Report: 2 h 09 min
